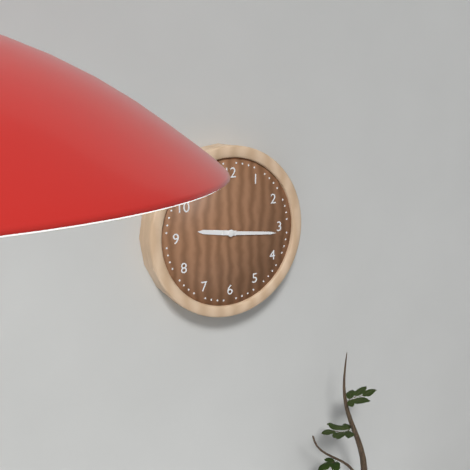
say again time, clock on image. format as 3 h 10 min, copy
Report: 9 h 16 min
